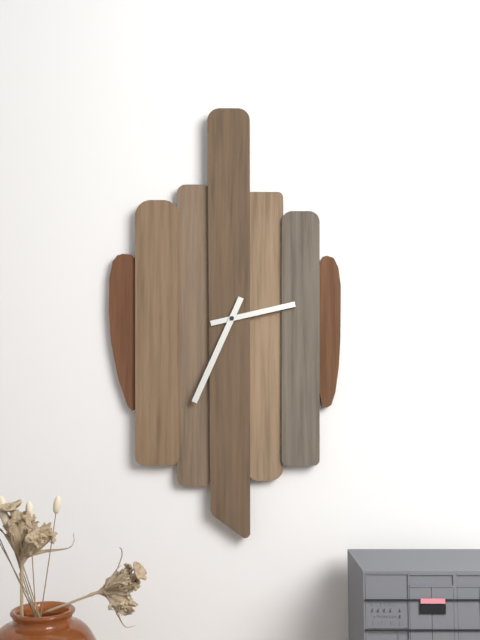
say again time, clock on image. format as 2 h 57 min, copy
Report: 2 h 34 min
